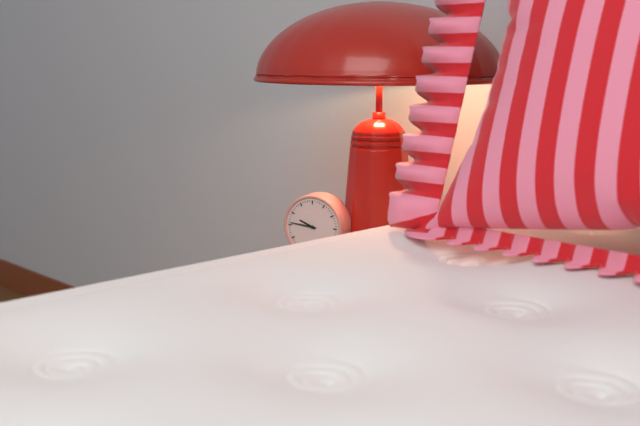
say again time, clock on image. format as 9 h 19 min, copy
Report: 9 h 46 min
